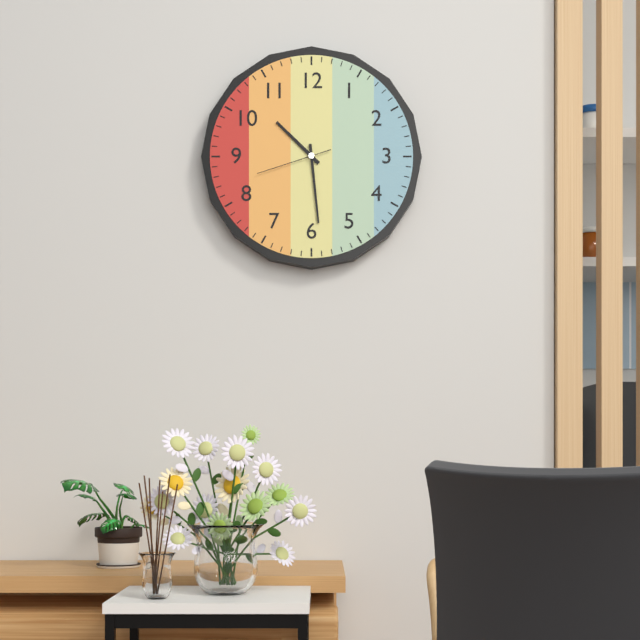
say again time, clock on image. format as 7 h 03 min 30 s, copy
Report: 10 h 29 min 42 s
